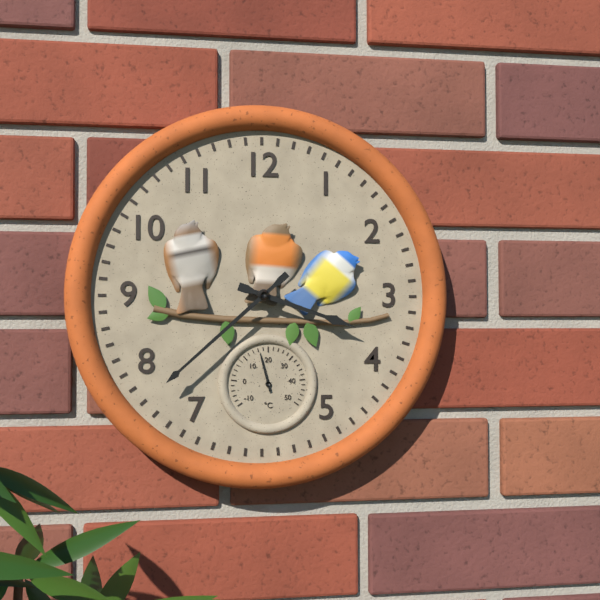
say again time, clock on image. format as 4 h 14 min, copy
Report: 3 h 38 min
